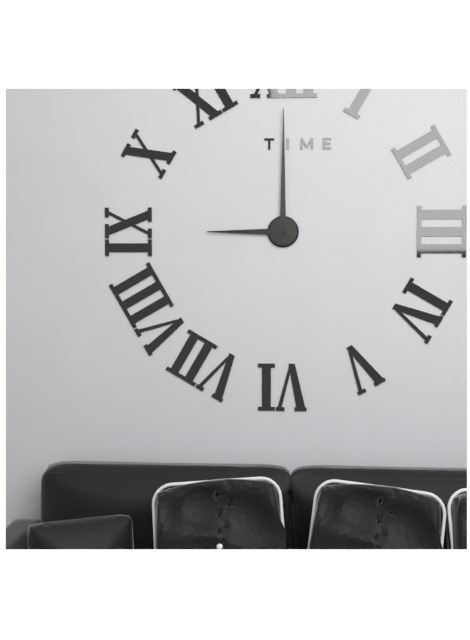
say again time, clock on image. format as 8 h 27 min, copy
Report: 9 h 00 min
